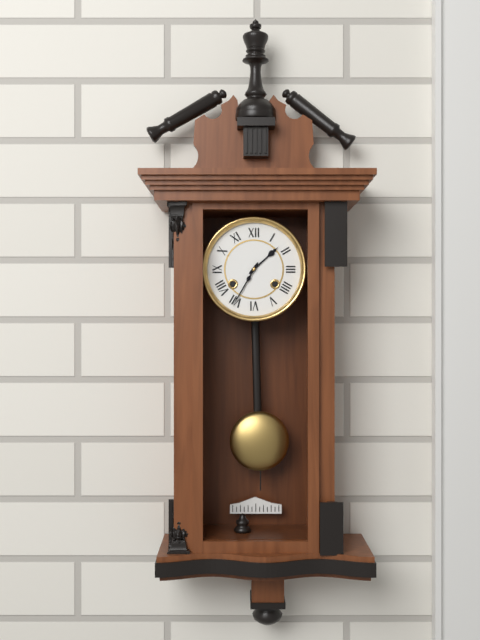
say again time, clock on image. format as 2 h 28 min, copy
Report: 1 h 35 min
